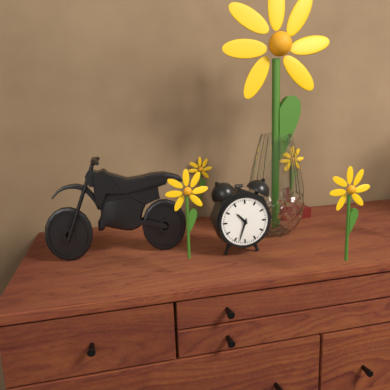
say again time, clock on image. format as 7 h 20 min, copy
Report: 10 h 33 min
